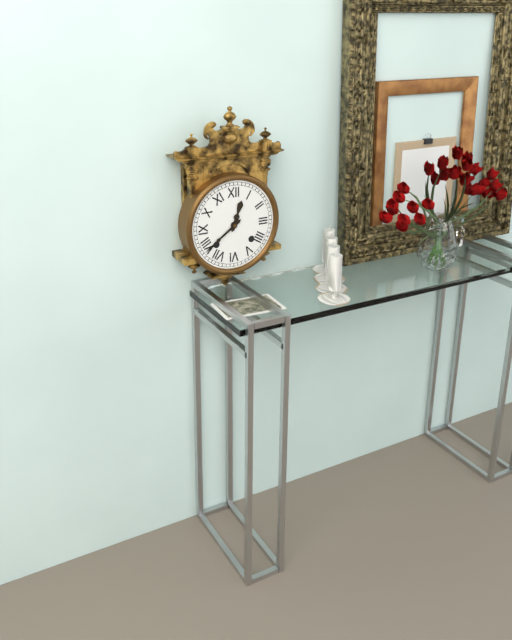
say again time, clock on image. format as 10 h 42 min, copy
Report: 12 h 39 min
